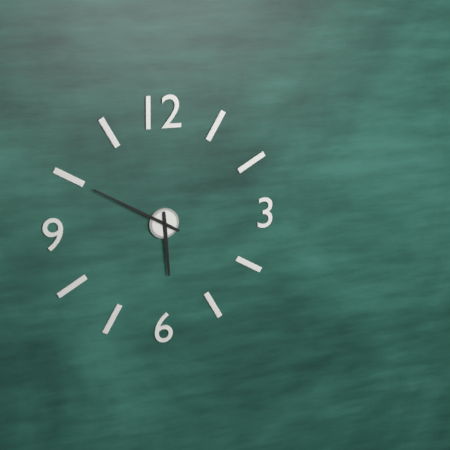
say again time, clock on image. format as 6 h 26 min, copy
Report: 5 h 50 min
